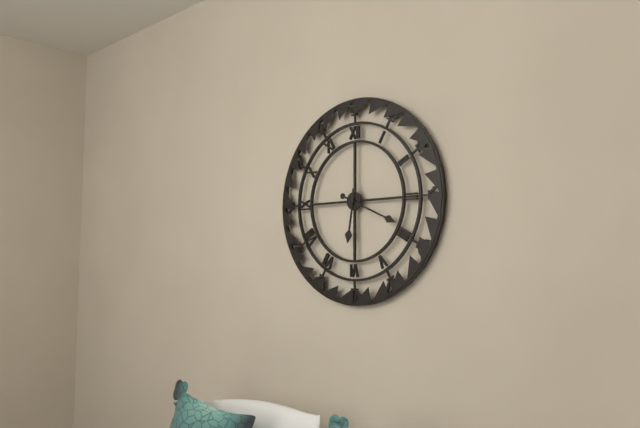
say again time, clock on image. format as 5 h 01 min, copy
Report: 6 h 19 min
